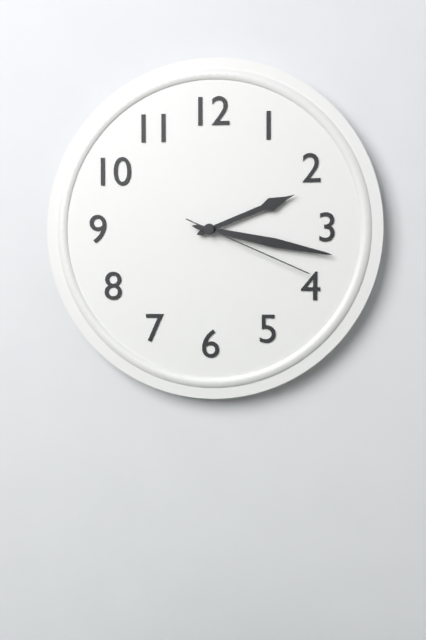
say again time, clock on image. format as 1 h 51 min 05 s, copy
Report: 2 h 17 min 19 s
